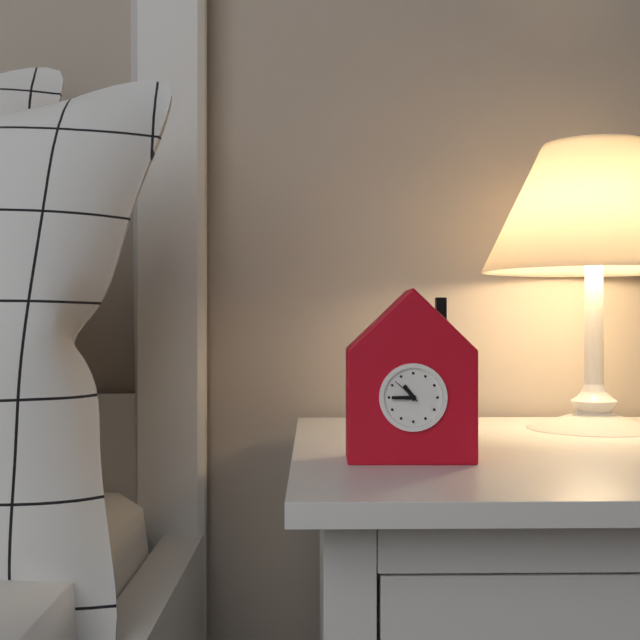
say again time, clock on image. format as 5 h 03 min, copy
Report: 10 h 45 min
